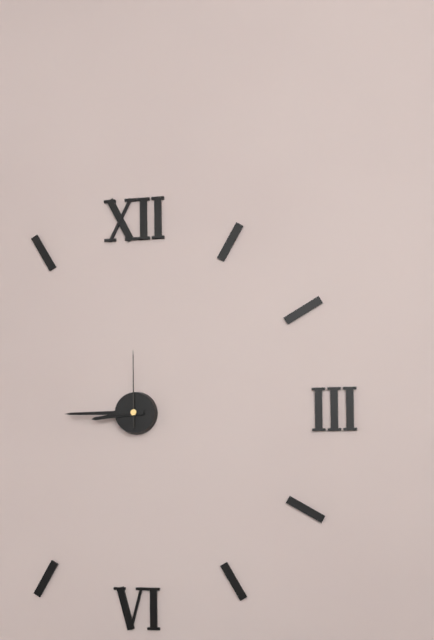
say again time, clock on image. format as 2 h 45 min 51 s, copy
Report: 8 h 45 min 00 s
